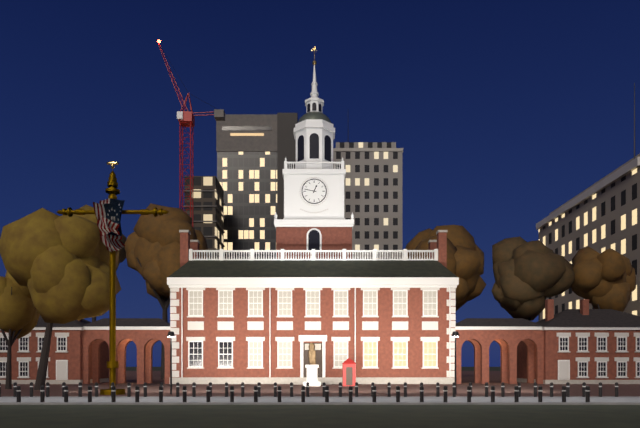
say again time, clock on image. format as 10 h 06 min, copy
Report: 12 h 47 min
